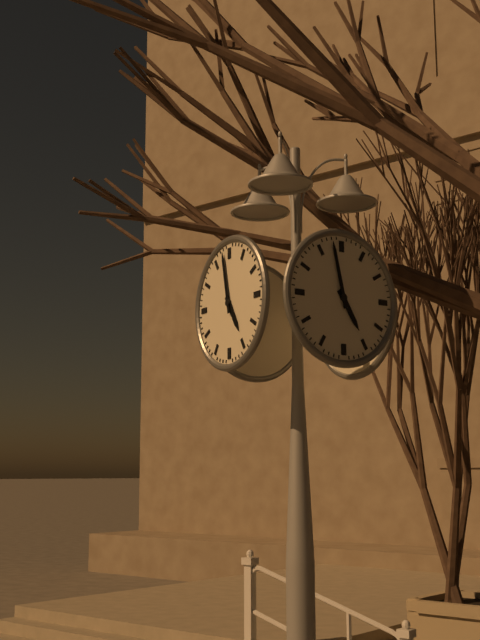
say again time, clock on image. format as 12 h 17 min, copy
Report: 4 h 58 min
